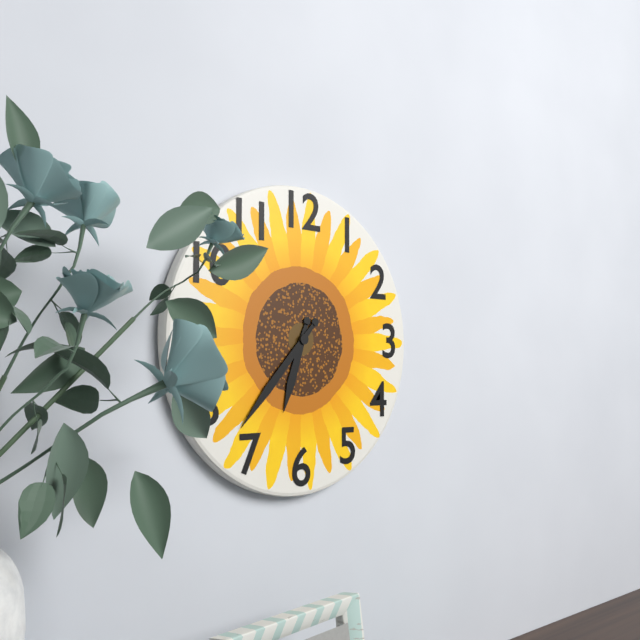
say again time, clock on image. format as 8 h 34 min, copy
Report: 6 h 37 min
